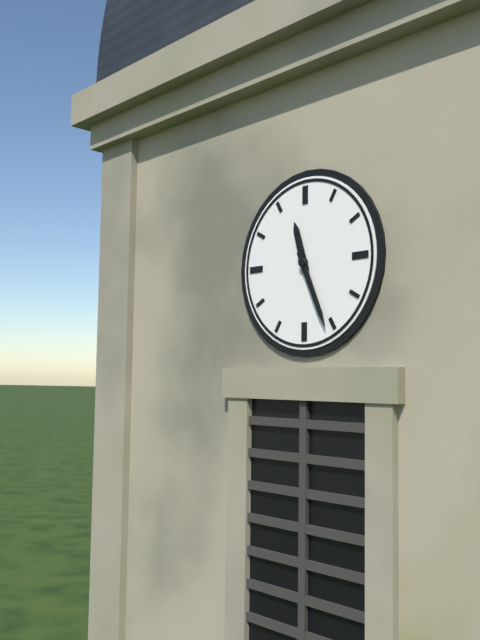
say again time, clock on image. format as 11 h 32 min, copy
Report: 11 h 26 min
